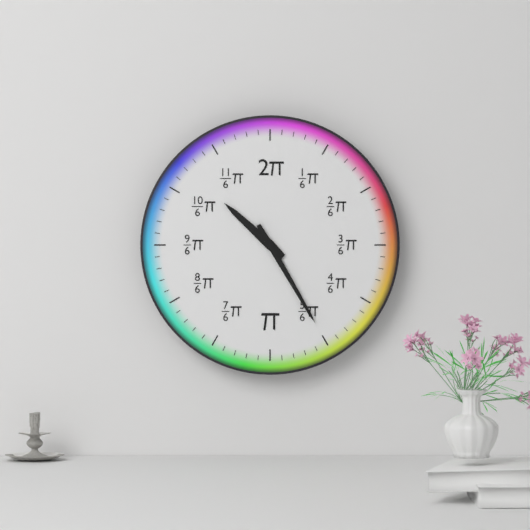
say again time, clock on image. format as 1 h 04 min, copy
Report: 10 h 25 min
